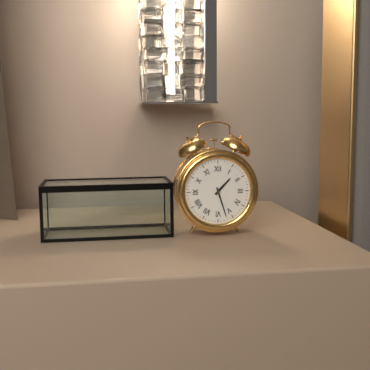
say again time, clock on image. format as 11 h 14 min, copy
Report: 1 h 27 min
